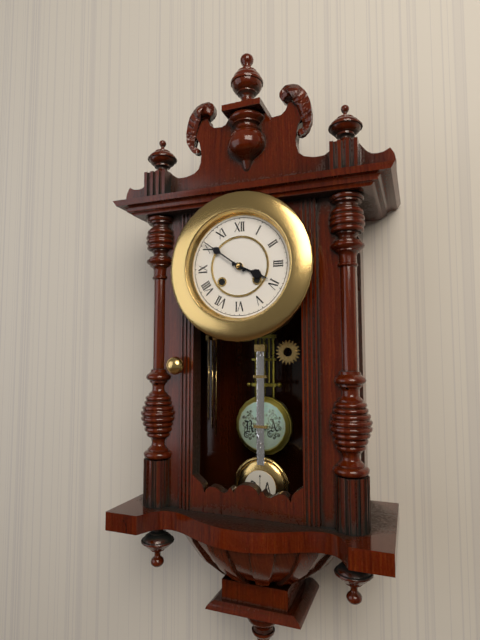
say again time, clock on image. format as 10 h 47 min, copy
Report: 3 h 51 min
